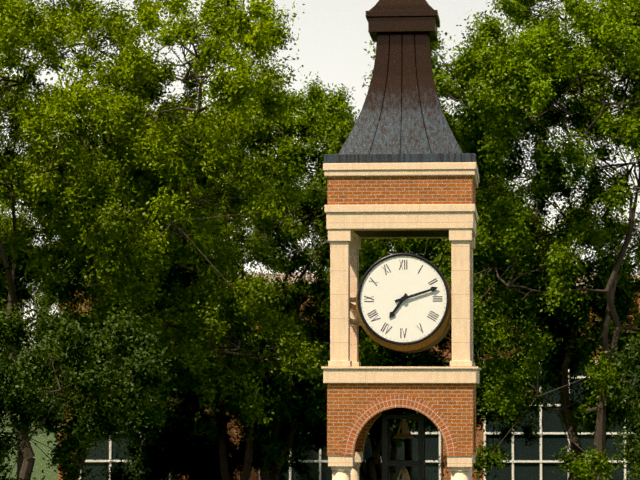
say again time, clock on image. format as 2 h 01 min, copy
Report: 7 h 12 min
